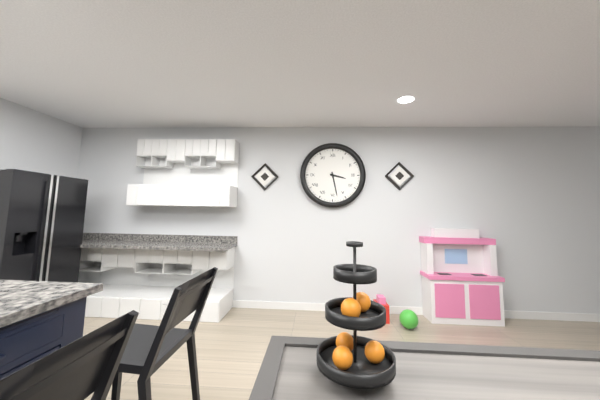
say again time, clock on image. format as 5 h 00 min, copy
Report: 3 h 28 min
